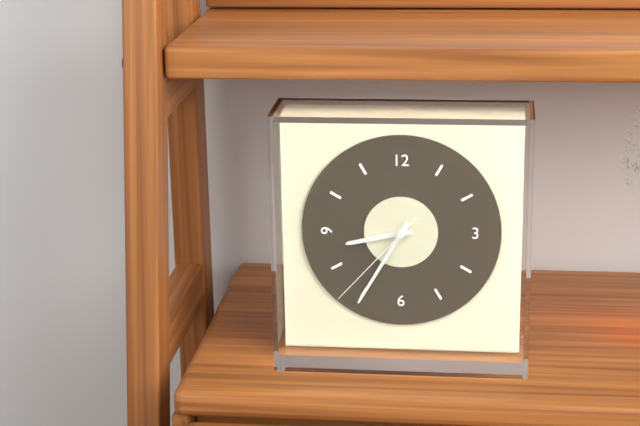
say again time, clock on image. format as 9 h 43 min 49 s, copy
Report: 8 h 35 min 37 s
